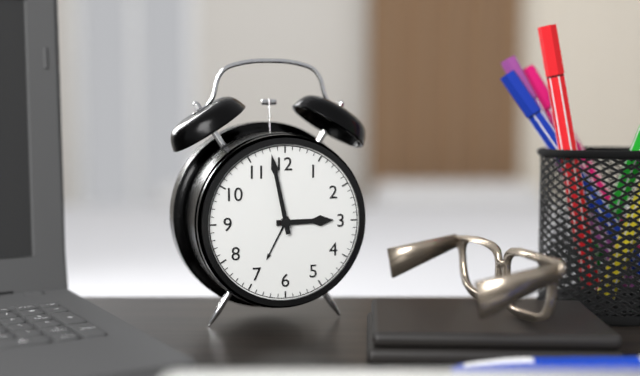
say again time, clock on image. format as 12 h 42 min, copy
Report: 2 h 58 min
